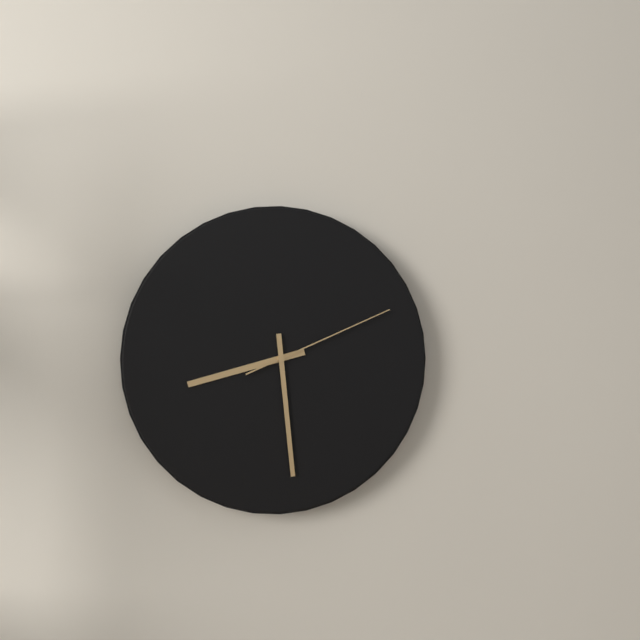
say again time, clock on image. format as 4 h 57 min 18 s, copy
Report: 8 h 29 min 11 s
